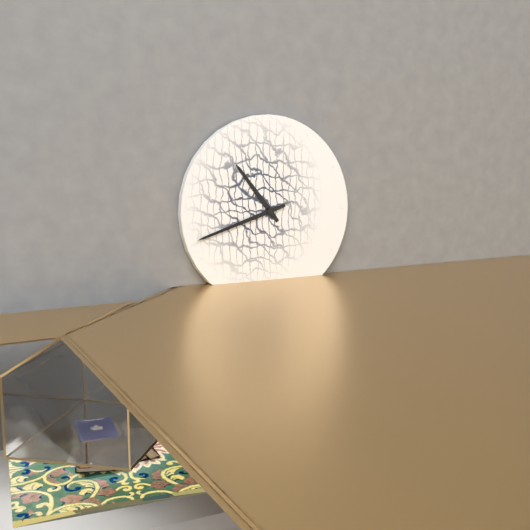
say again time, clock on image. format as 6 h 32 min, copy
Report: 10 h 42 min
